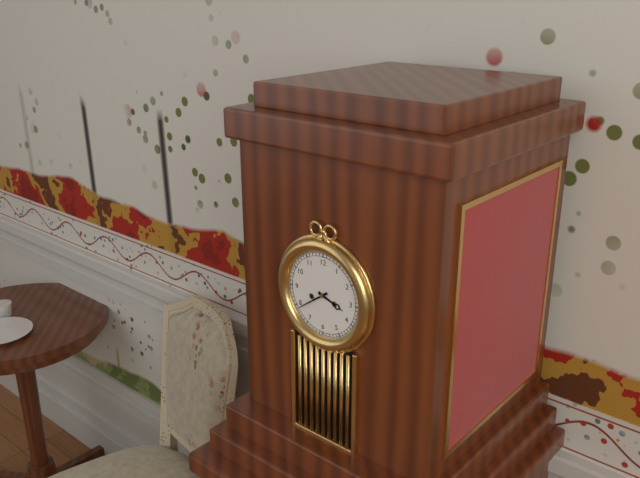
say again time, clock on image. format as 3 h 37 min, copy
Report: 3 h 39 min
